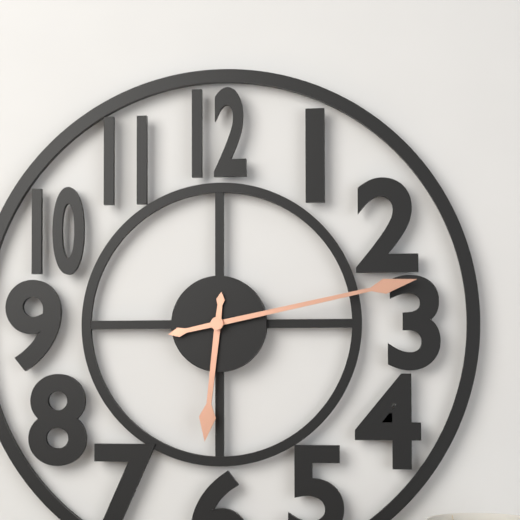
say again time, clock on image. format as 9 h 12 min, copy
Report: 6 h 13 min
